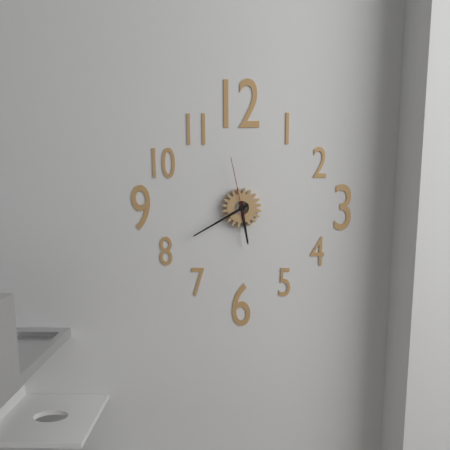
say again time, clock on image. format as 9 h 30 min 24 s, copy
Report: 5 h 40 min 58 s
